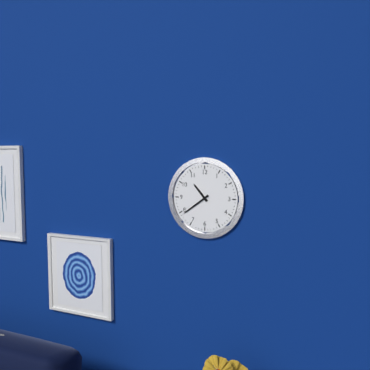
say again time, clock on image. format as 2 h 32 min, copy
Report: 10 h 39 min
